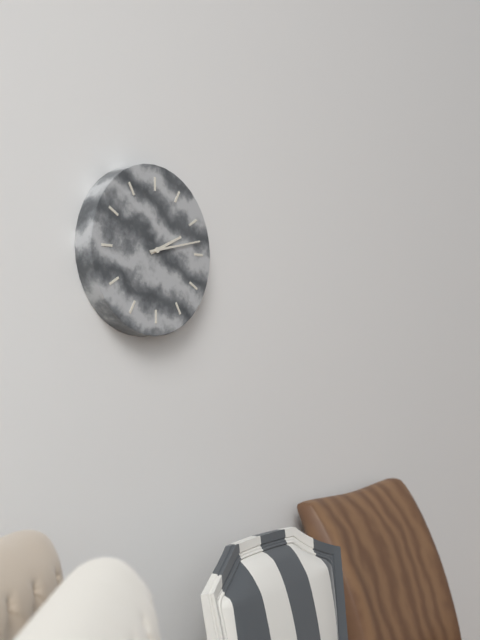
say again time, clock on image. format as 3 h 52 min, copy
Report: 2 h 13 min
